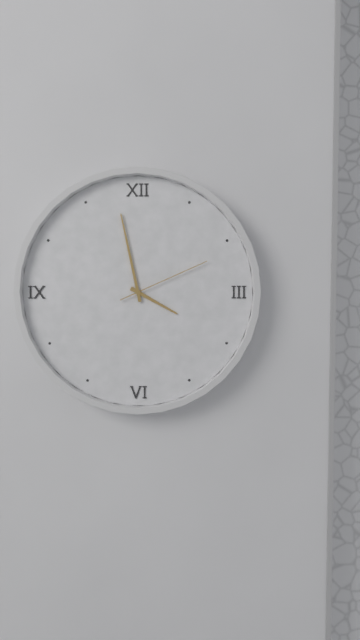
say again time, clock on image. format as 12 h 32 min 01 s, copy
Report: 3 h 58 min 11 s
